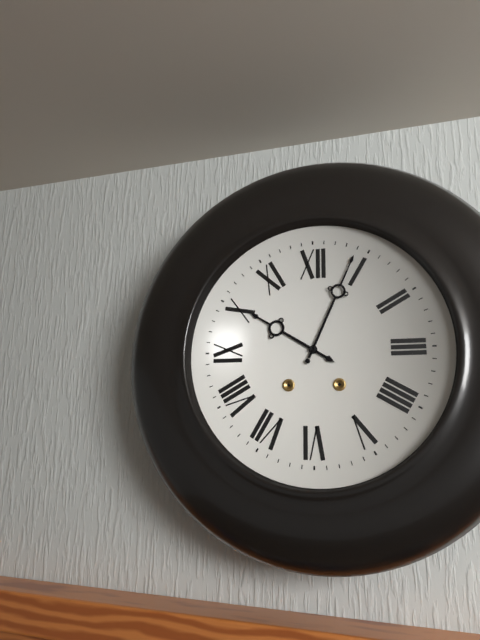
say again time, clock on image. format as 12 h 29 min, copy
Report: 10 h 04 min
